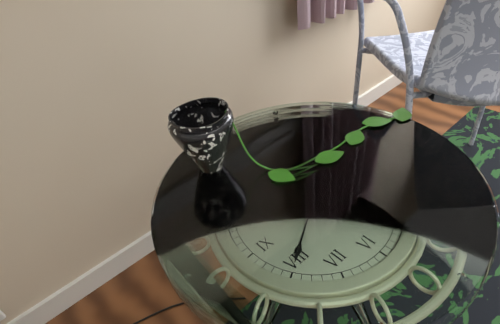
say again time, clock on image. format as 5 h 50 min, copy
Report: 9 h 40 min
